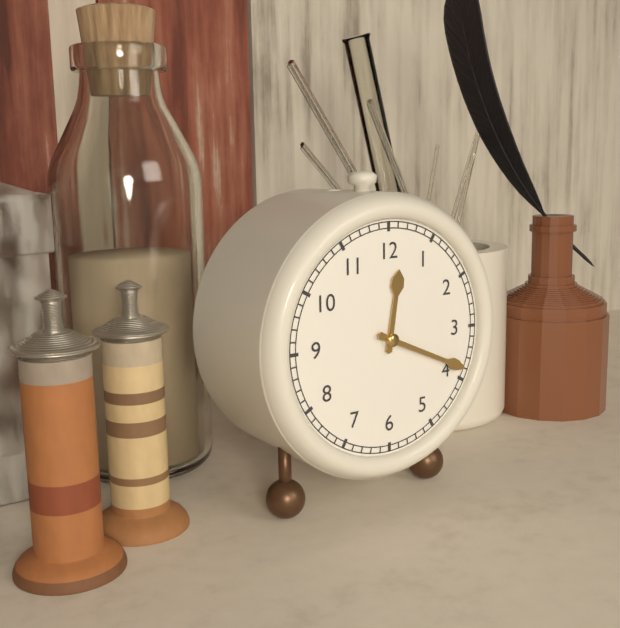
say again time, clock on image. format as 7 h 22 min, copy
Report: 12 h 19 min
